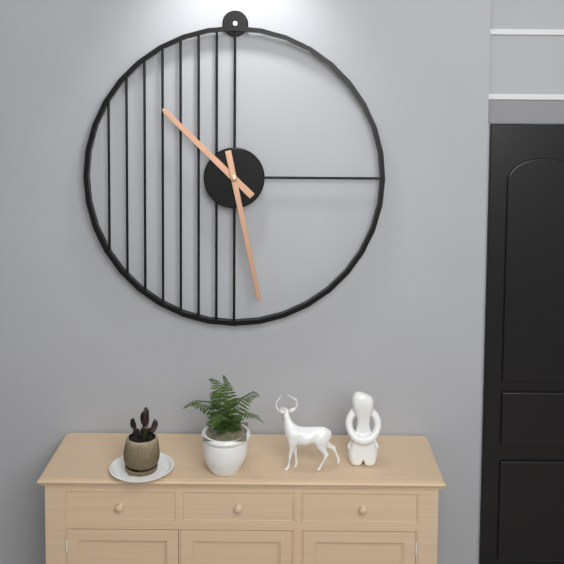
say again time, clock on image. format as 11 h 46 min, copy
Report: 10 h 28 min
